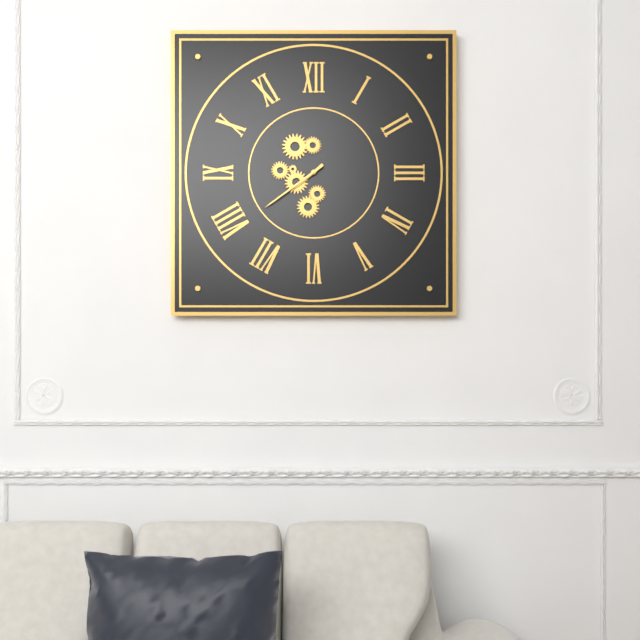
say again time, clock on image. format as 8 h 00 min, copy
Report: 7 h 39 min
